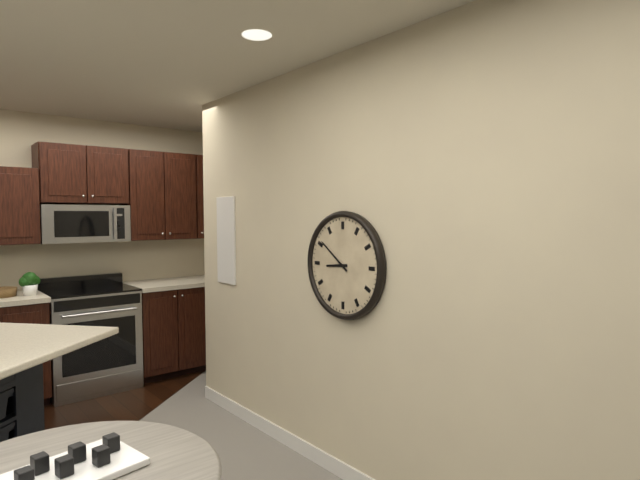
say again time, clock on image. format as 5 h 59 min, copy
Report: 8 h 51 min
